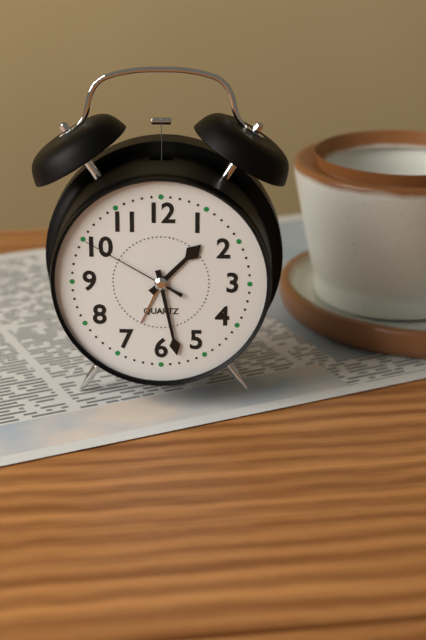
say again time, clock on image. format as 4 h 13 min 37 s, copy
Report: 1 h 28 min 50 s
